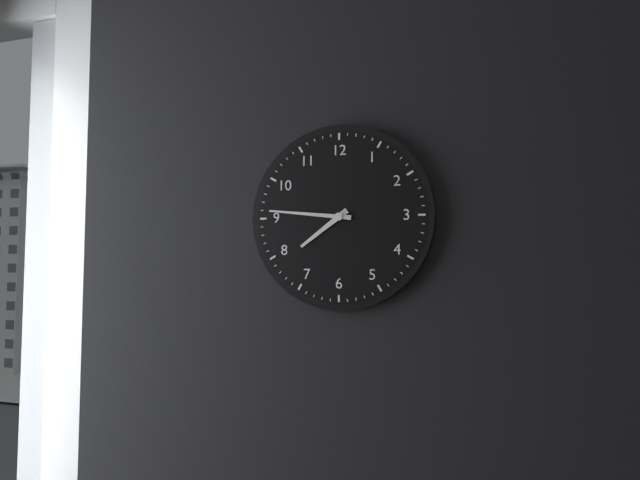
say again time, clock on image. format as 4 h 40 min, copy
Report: 7 h 46 min
